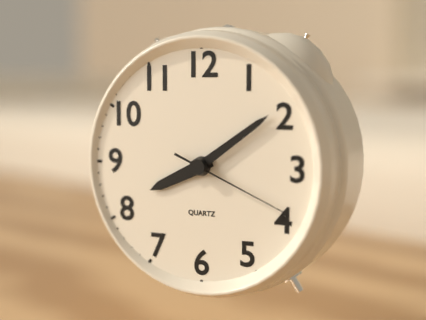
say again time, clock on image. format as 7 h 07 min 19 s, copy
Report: 8 h 09 min 19 s
